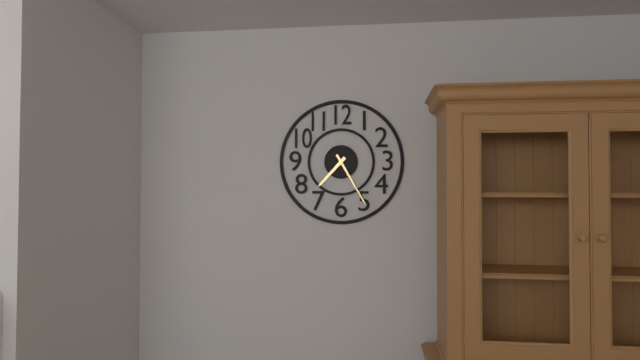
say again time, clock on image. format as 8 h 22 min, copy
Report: 7 h 25 min
